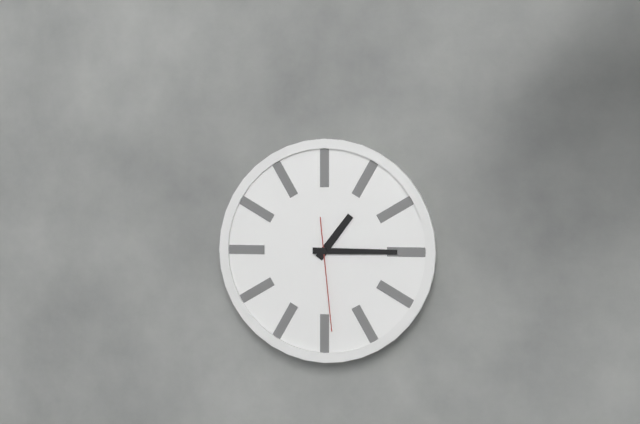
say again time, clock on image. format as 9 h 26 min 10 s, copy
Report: 1 h 15 min 29 s
